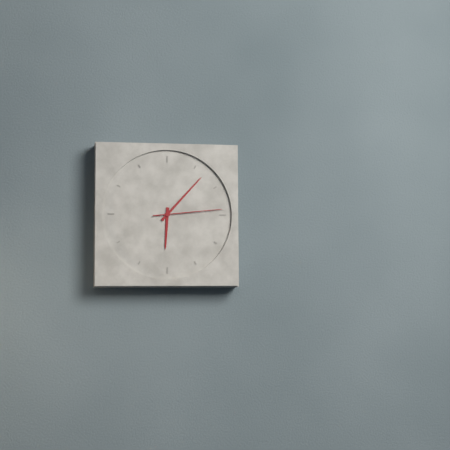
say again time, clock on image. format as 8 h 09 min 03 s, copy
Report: 6 h 07 min 14 s
